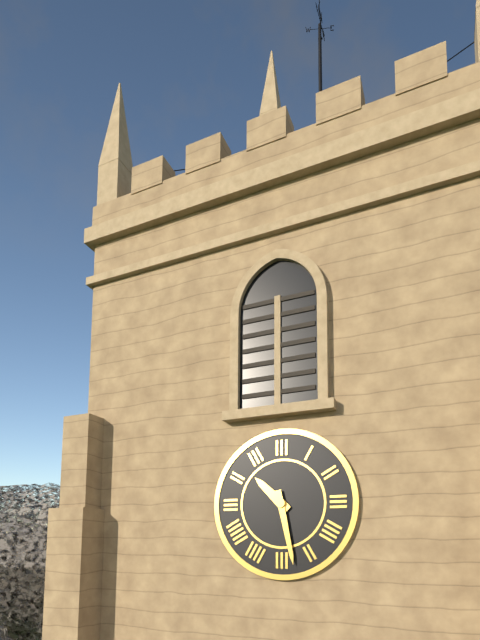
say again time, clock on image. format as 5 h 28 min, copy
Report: 10 h 28 min
